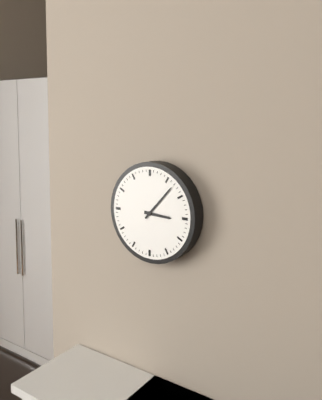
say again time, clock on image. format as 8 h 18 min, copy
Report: 3 h 07 min
